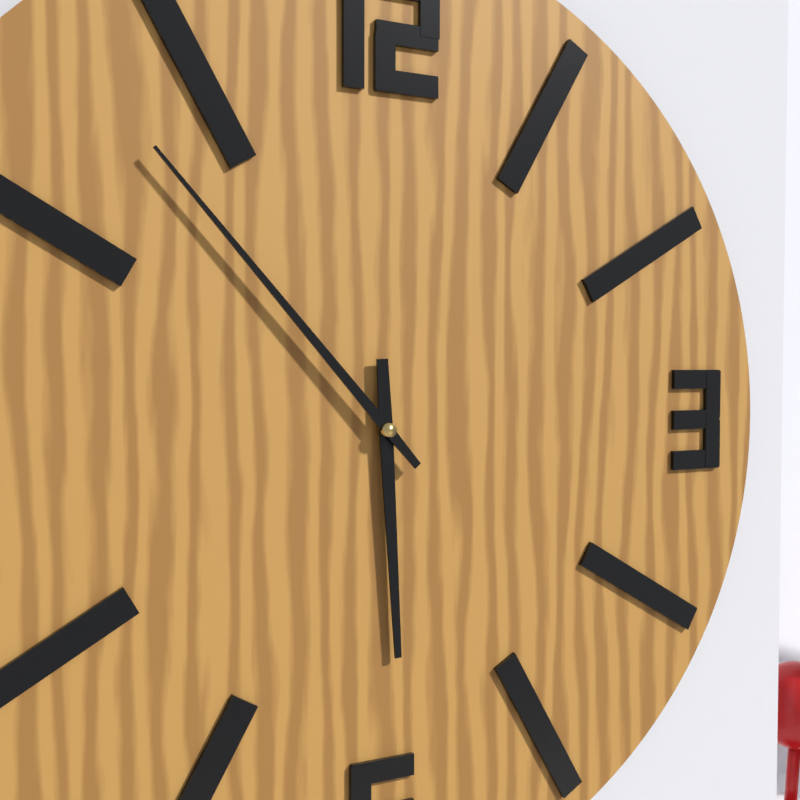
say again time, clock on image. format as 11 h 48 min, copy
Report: 5 h 53 min
